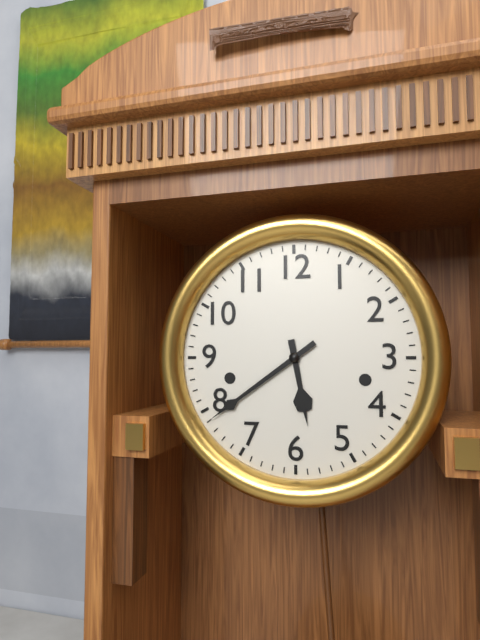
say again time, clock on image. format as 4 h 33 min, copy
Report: 5 h 39 min
